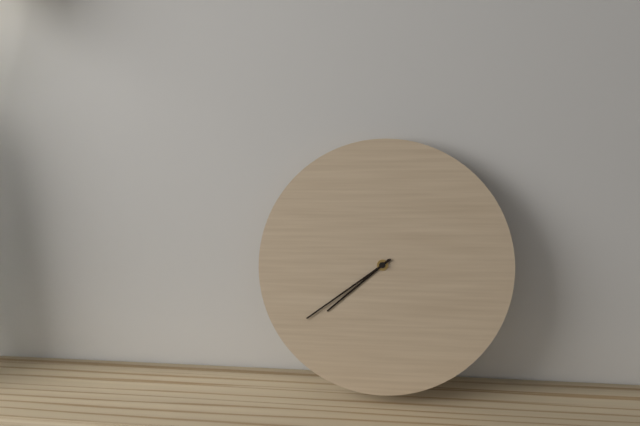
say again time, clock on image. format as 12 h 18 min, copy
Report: 7 h 39 min
